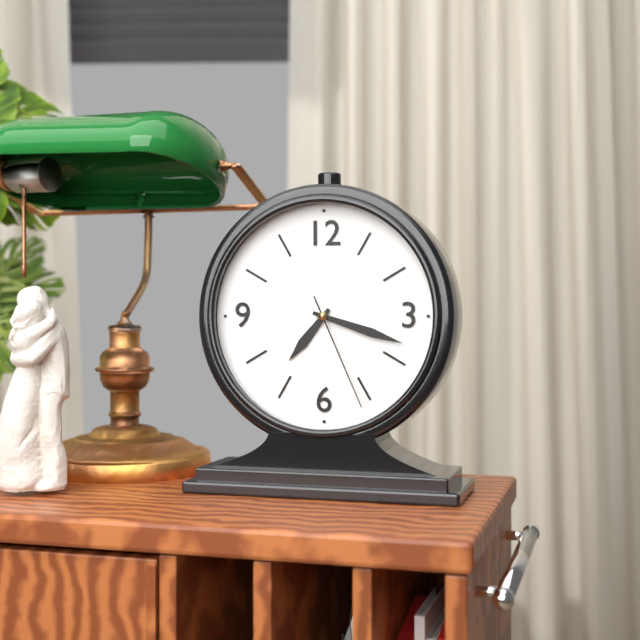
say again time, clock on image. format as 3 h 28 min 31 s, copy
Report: 7 h 18 min 26 s
